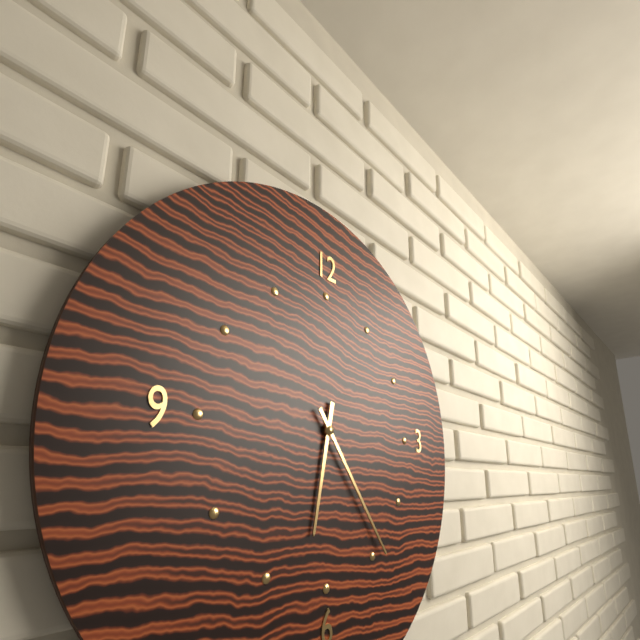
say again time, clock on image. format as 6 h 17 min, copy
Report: 6 h 24 min
